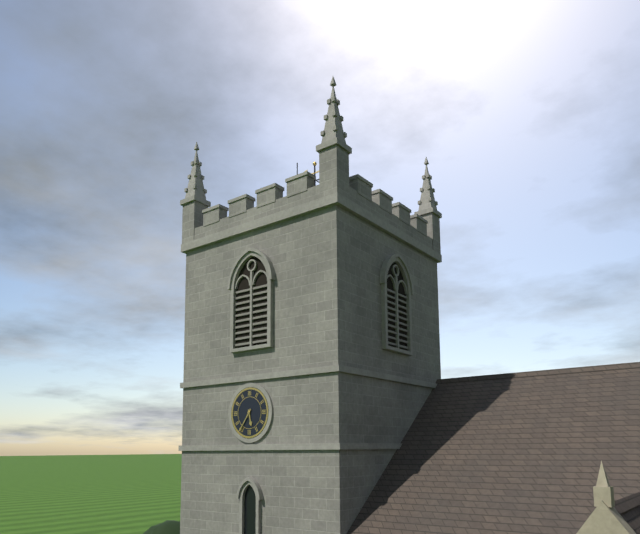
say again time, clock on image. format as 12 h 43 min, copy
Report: 5 h 36 min
